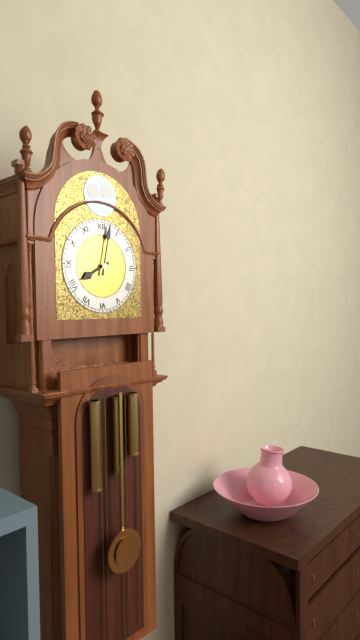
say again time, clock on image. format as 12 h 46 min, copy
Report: 8 h 02 min
